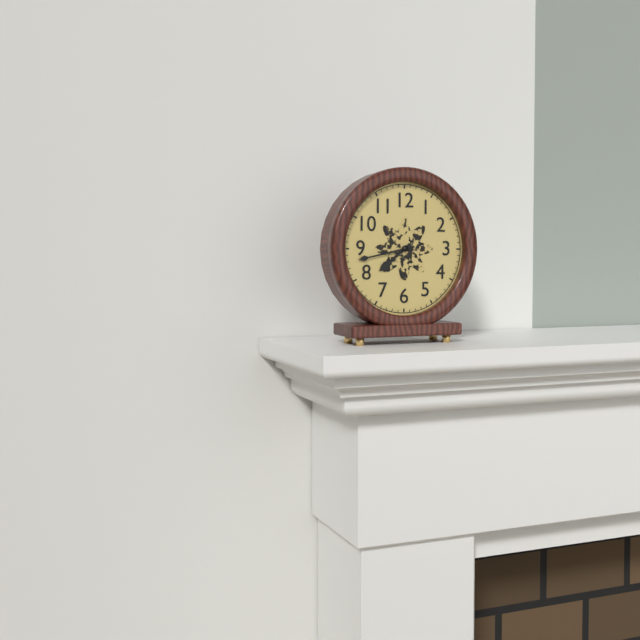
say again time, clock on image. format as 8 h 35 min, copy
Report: 7 h 43 min
